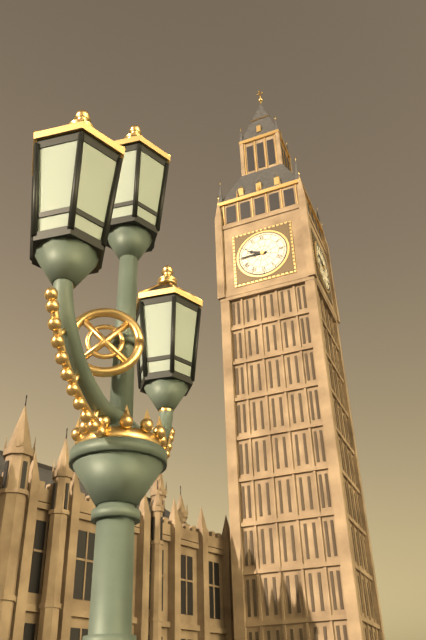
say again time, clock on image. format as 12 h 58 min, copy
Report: 9 h 45 min
